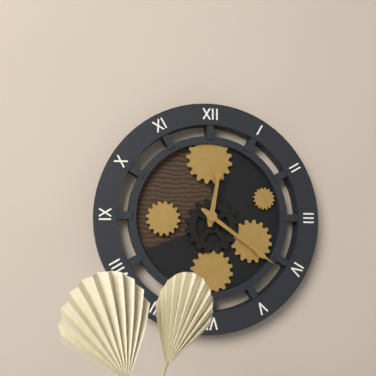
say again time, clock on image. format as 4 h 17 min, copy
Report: 12 h 21 min
